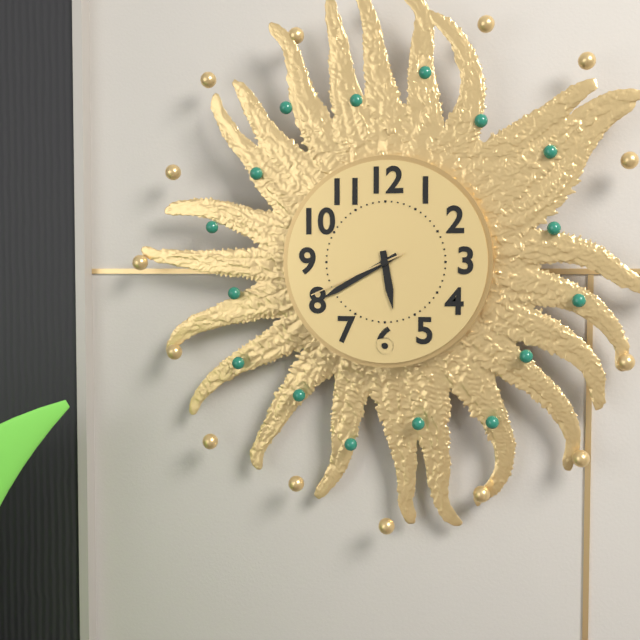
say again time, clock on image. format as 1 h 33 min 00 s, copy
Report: 5 h 40 min 41 s
